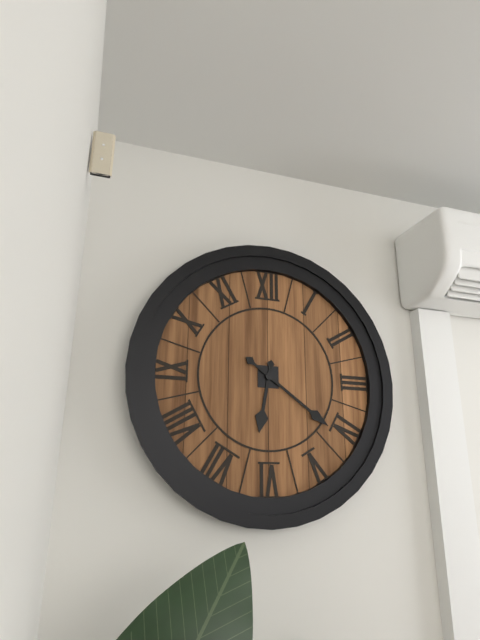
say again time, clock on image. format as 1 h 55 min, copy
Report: 6 h 21 min
